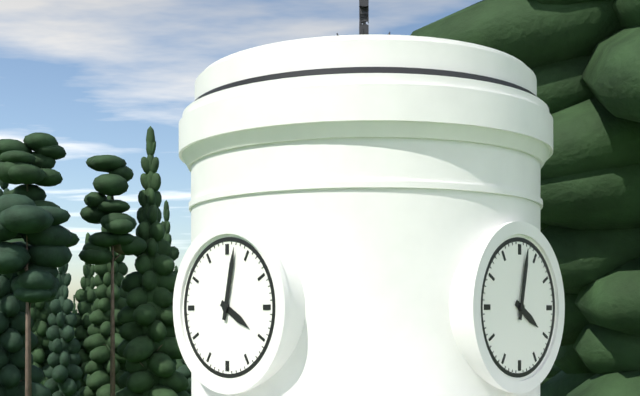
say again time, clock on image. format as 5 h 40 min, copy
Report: 4 h 02 min
